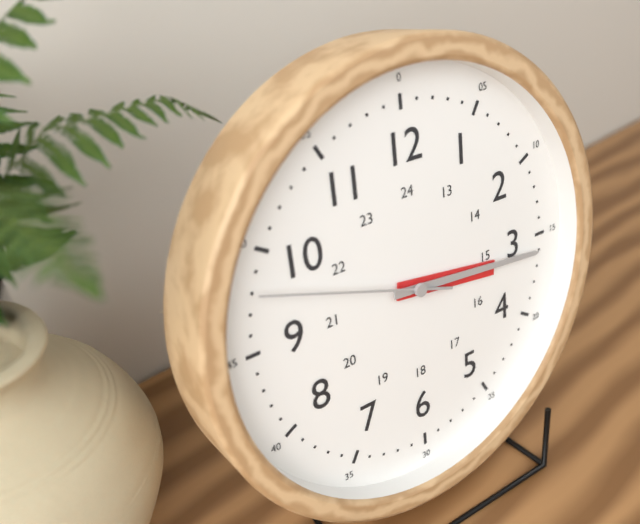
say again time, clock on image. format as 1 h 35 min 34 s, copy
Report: 3 h 16 min 48 s
